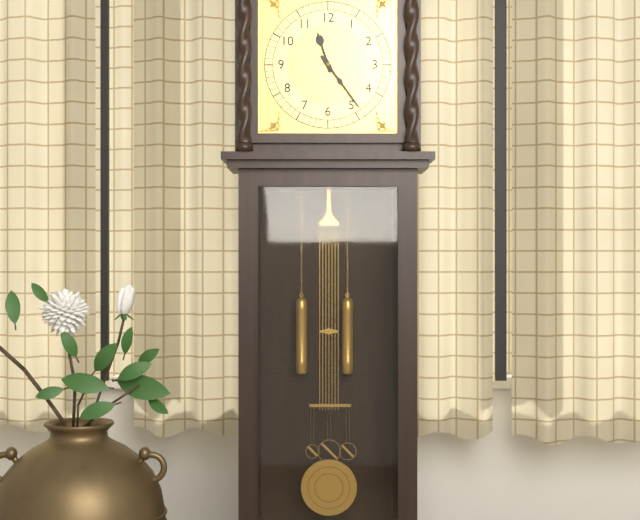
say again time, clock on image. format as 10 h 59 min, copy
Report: 11 h 24 min
